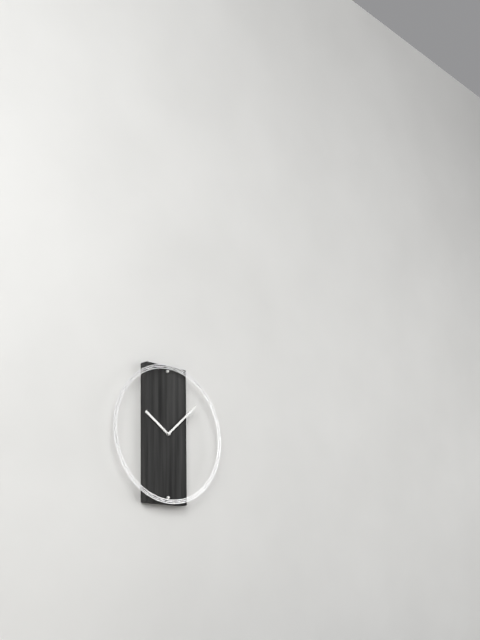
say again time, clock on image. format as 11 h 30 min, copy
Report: 10 h 08 min
